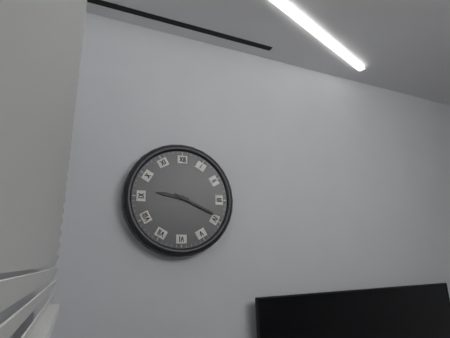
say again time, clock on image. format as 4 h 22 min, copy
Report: 9 h 19 min
